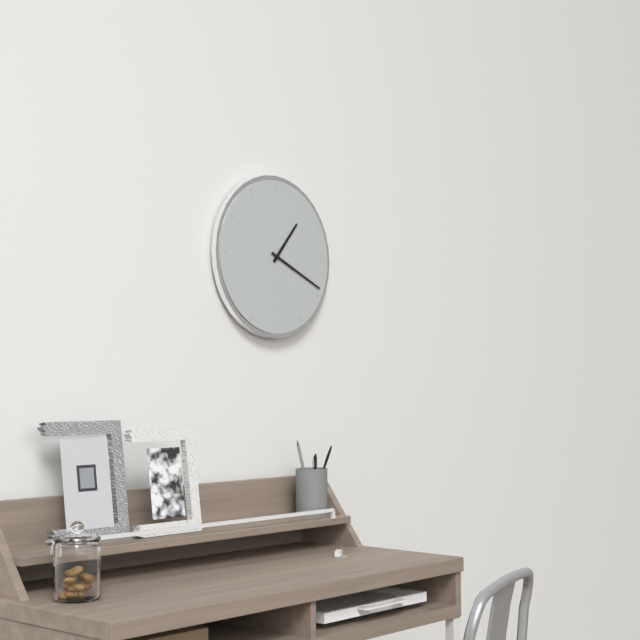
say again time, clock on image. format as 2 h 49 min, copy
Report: 1 h 19 min
